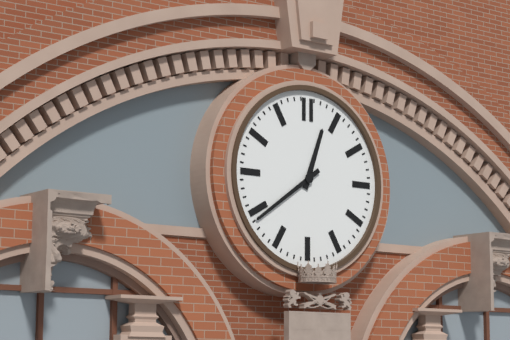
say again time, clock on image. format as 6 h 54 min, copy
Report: 12 h 39 min
